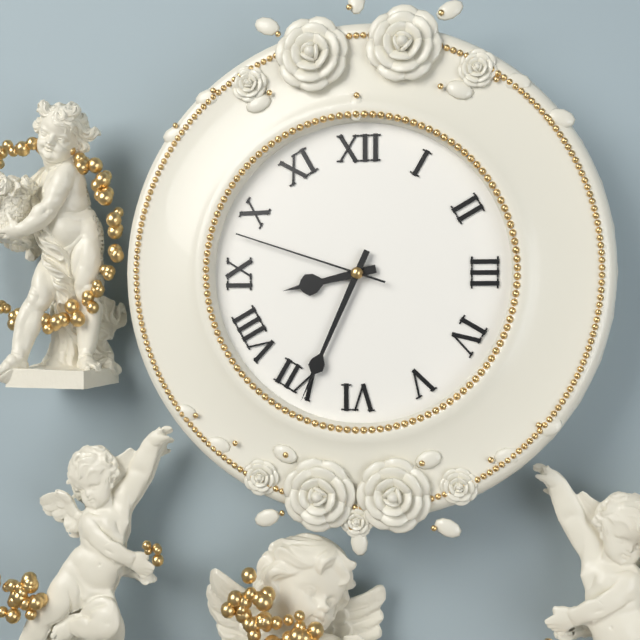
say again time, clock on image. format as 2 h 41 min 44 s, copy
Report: 8 h 34 min 48 s
